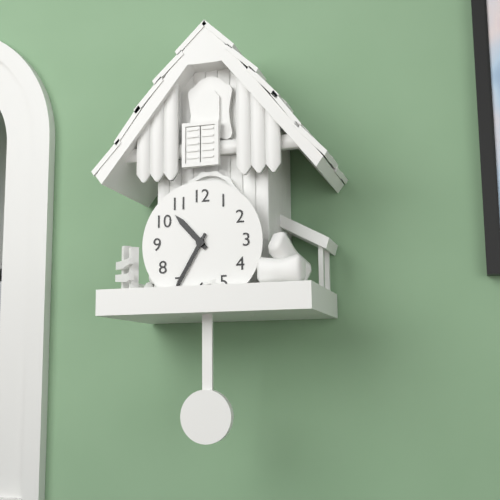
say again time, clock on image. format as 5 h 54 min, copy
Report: 10 h 35 min
